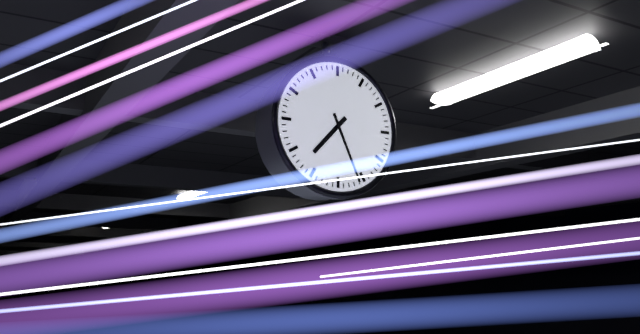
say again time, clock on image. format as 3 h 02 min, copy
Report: 7 h 26 min
